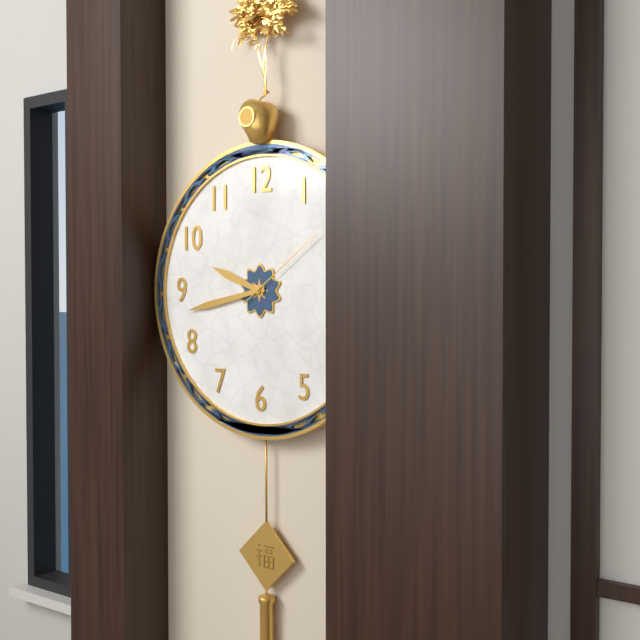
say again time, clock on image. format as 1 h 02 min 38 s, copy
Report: 9 h 43 min 09 s
